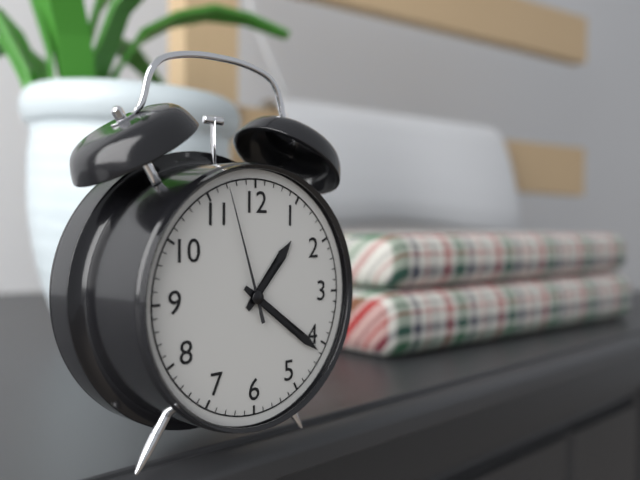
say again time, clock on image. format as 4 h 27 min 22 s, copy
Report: 1 h 21 min 57 s
